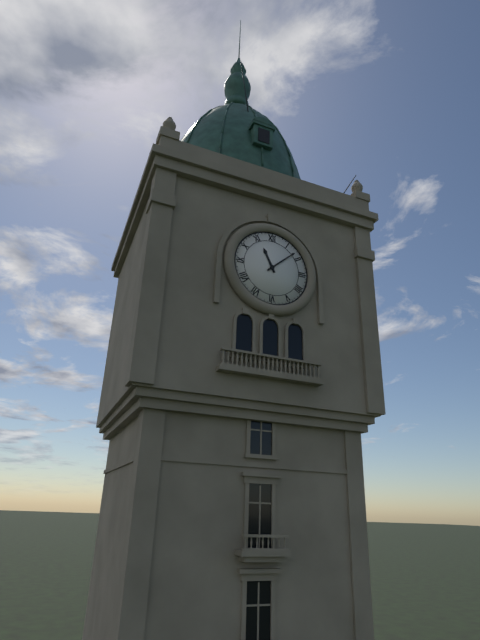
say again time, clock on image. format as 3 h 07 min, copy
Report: 11 h 08 min
